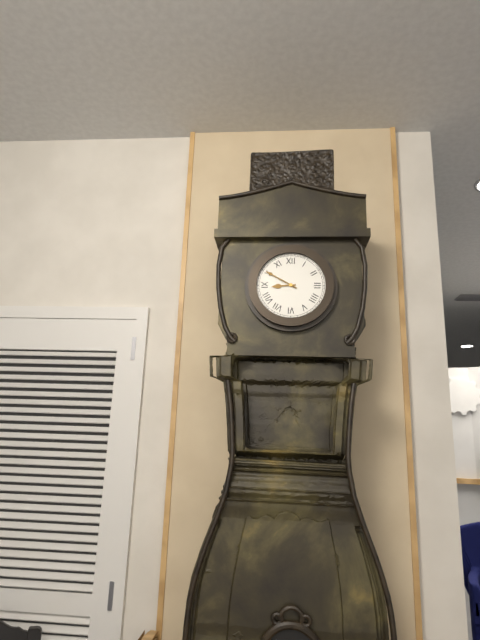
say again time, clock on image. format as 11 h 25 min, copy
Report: 8 h 50 min
